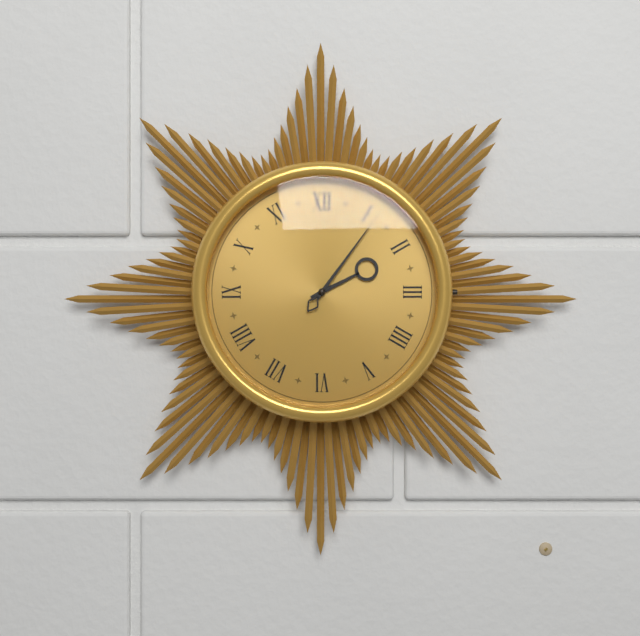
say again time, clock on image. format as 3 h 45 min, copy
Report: 2 h 06 min
